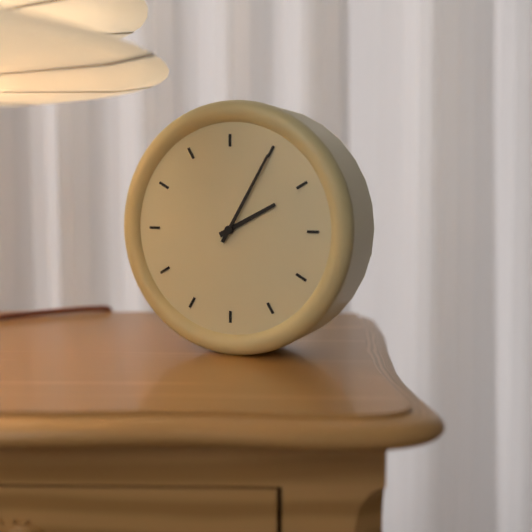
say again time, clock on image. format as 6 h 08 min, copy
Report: 2 h 05 min
